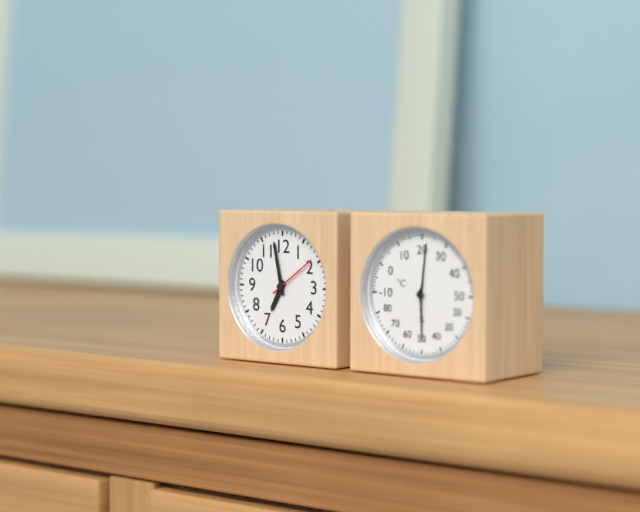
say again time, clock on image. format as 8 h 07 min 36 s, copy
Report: 6 h 58 min 09 s
